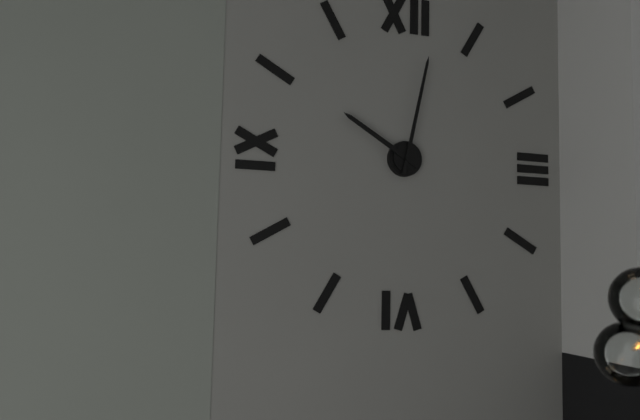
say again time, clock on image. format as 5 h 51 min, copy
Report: 10 h 02 min
